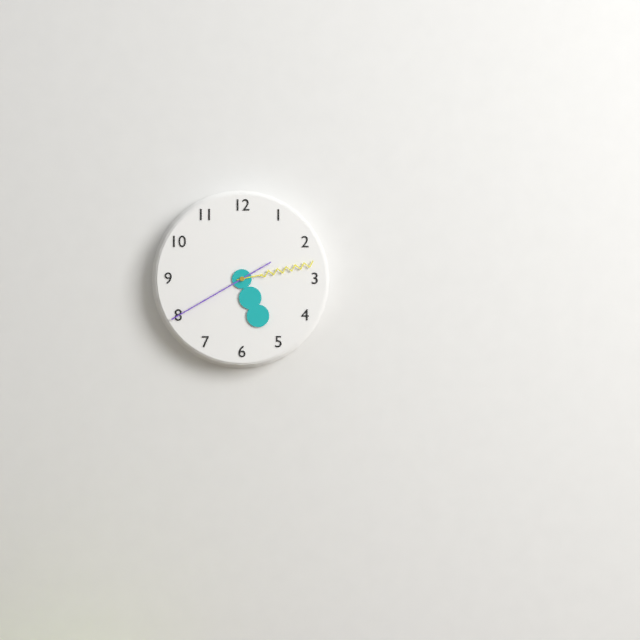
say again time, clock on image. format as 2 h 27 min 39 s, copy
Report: 5 h 13 min 40 s
